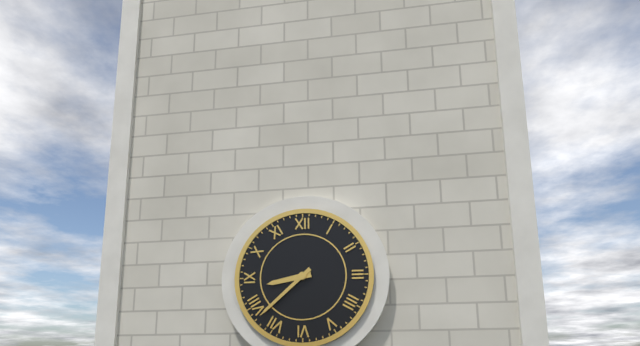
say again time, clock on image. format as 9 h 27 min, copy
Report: 8 h 38 min
